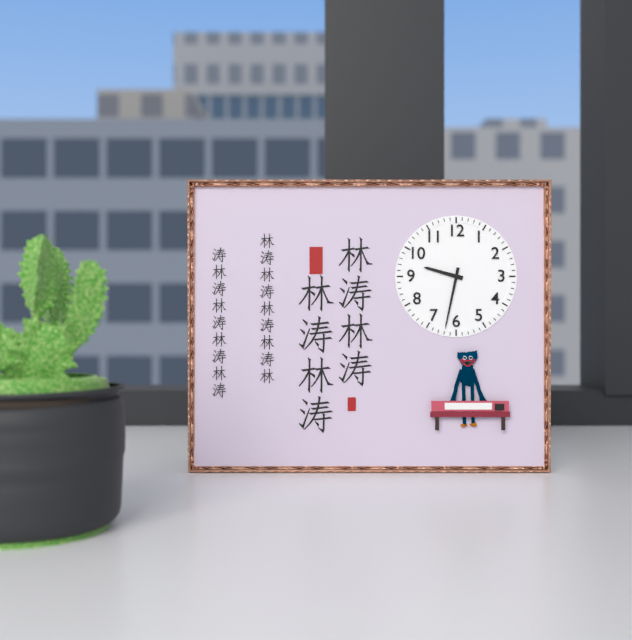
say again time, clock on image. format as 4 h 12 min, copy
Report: 9 h 32 min
